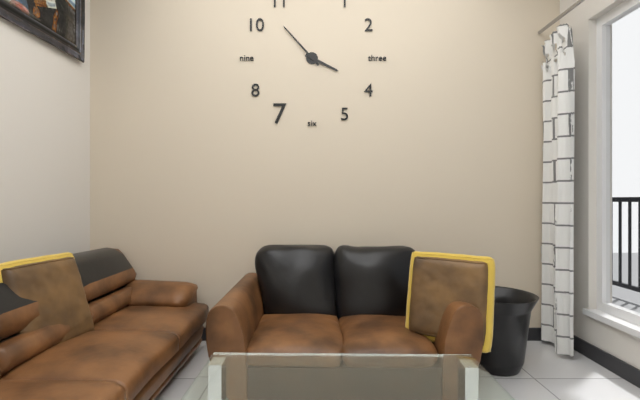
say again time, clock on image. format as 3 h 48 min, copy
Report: 3 h 53 min
